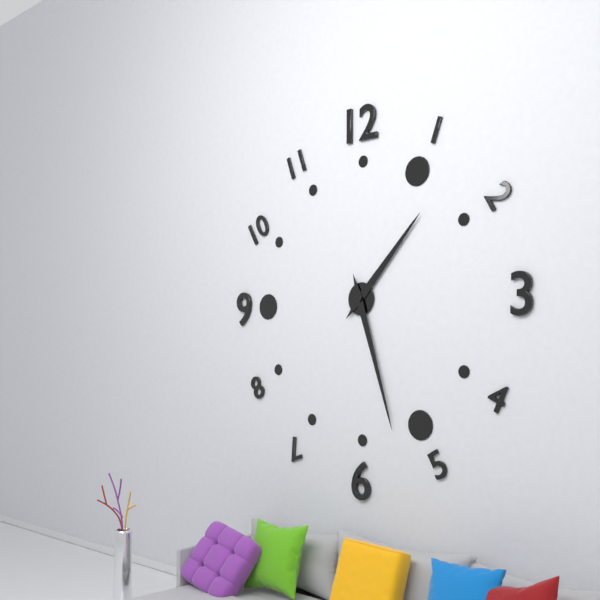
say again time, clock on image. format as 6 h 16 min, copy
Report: 1 h 27 min
